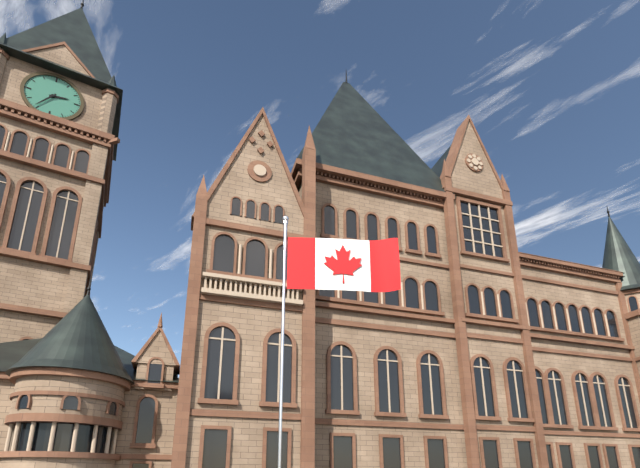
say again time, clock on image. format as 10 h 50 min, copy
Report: 2 h 36 min
